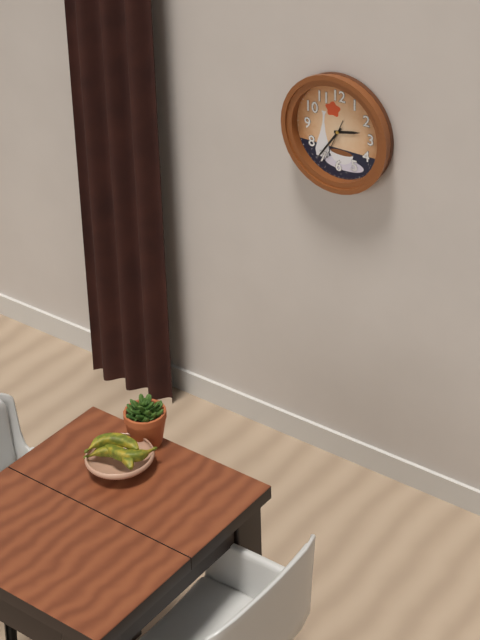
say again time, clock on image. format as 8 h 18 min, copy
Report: 2 h 36 min
